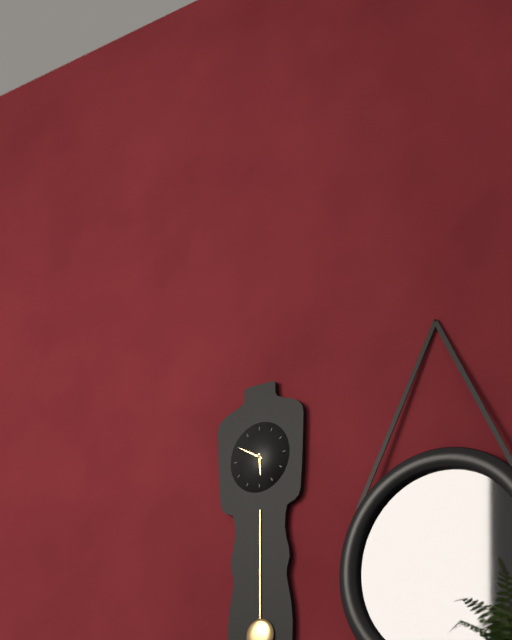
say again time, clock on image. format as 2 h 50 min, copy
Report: 5 h 50 min
